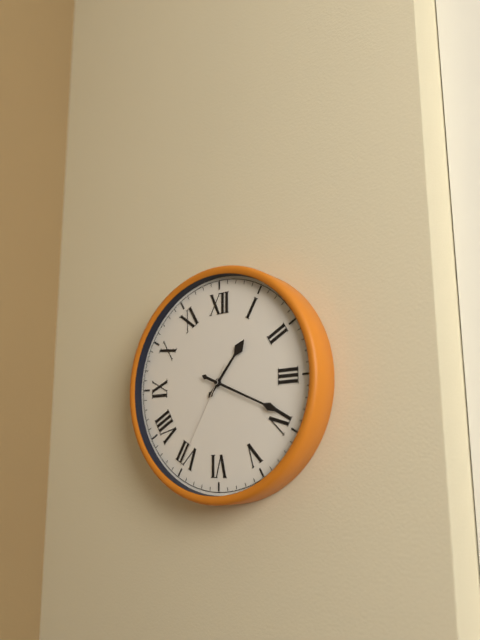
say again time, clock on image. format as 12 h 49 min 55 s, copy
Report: 1 h 19 min 35 s
